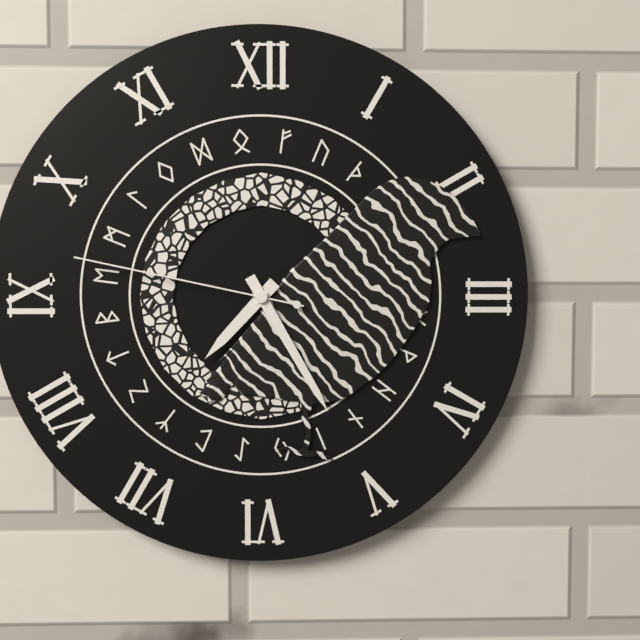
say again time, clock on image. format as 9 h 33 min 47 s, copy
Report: 7 h 25 min 47 s
